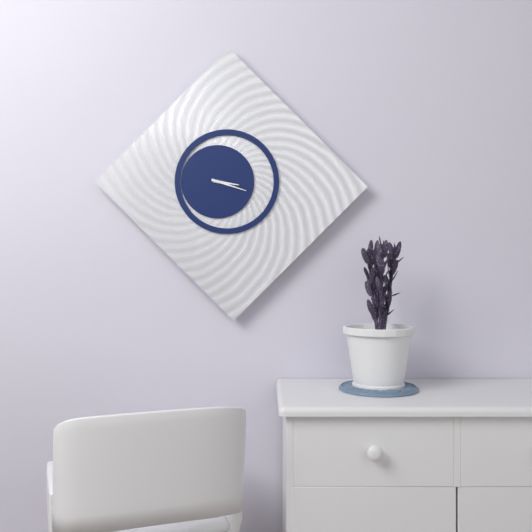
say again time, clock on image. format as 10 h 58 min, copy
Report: 3 h 18 min
